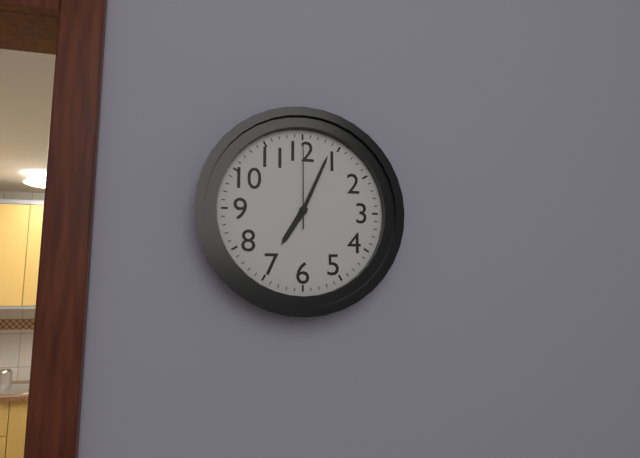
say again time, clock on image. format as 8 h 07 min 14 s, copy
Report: 7 h 04 min 00 s
